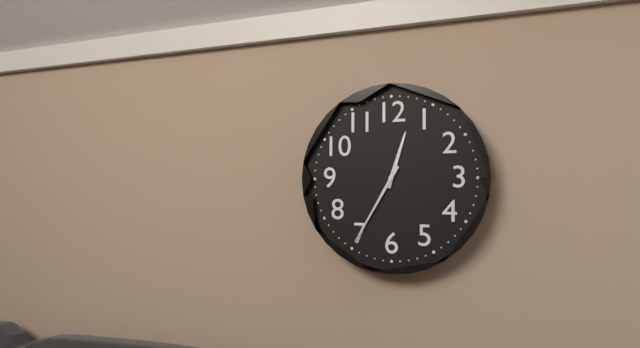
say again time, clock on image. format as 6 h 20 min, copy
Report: 12 h 35 min
